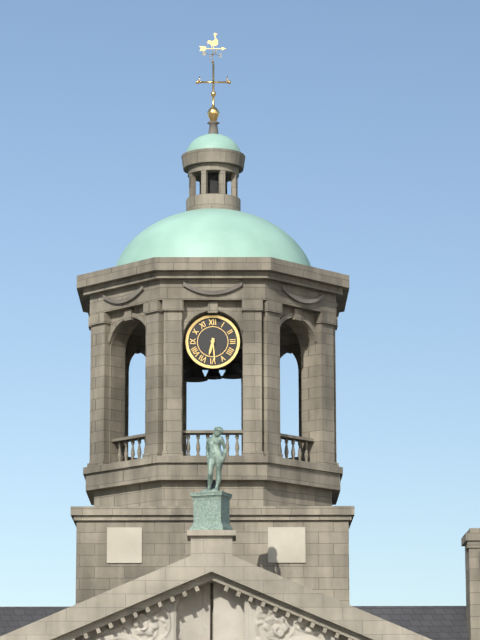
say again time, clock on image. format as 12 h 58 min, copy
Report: 6 h 29 min
